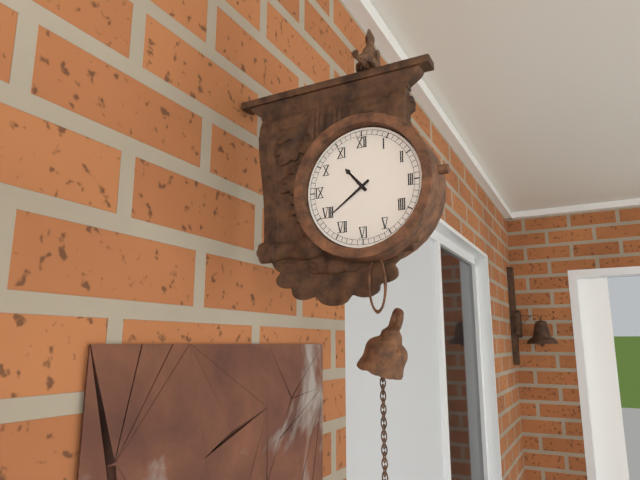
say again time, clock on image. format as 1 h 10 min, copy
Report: 10 h 39 min
